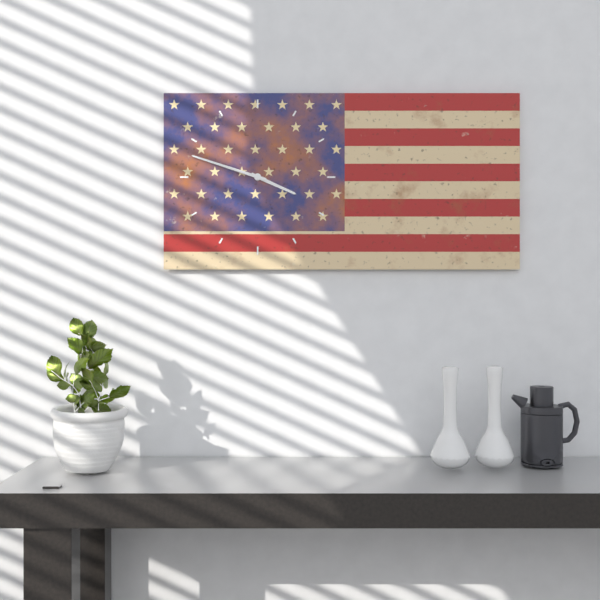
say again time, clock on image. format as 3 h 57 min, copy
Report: 3 h 48 min
